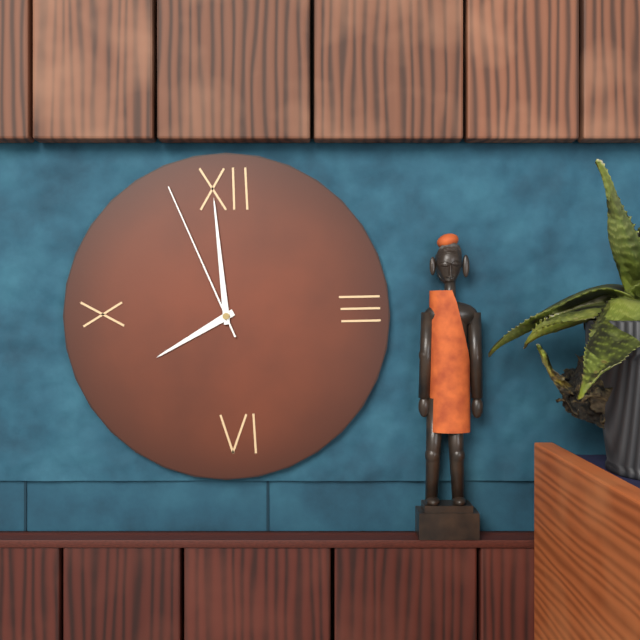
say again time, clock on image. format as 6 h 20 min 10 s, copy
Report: 7 h 59 min 56 s
